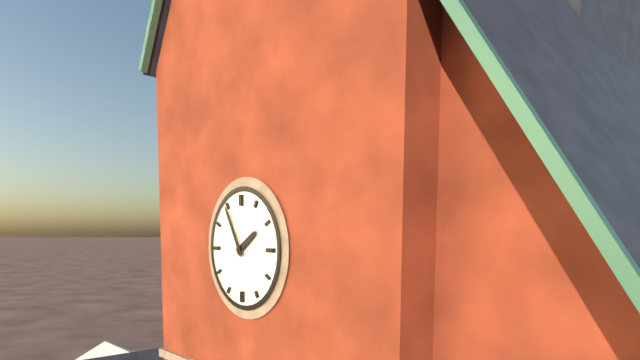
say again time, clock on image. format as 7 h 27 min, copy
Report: 1 h 55 min
